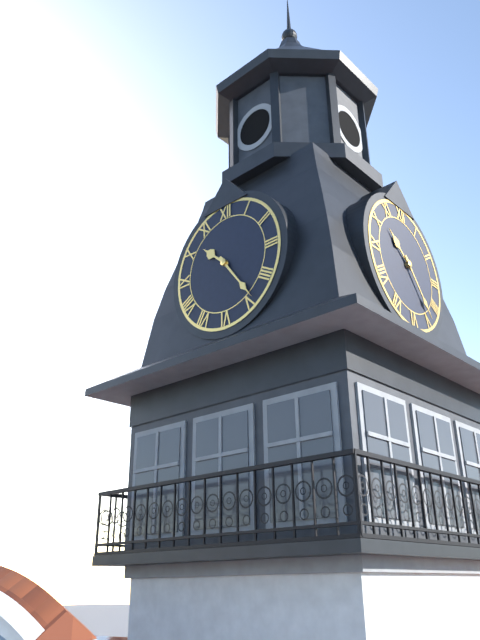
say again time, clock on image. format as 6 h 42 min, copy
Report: 10 h 24 min
